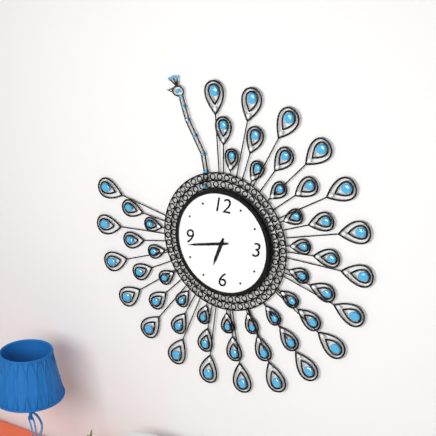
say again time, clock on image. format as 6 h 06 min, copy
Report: 6 h 43 min
